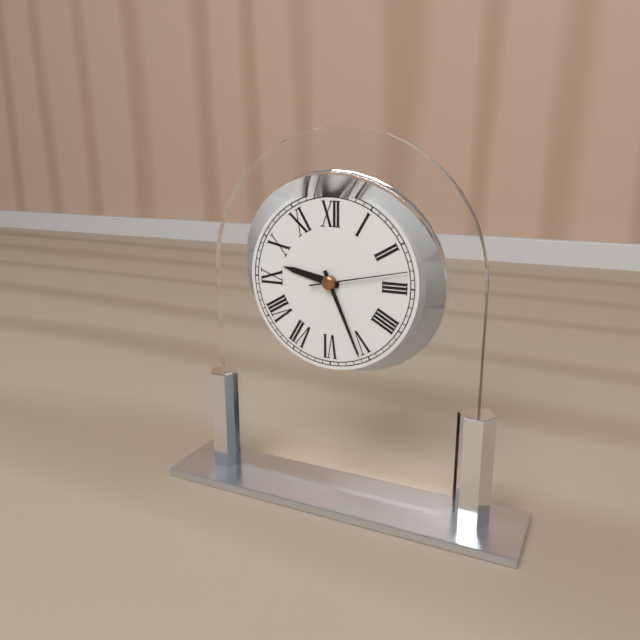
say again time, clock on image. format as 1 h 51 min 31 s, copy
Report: 9 h 26 min 13 s
